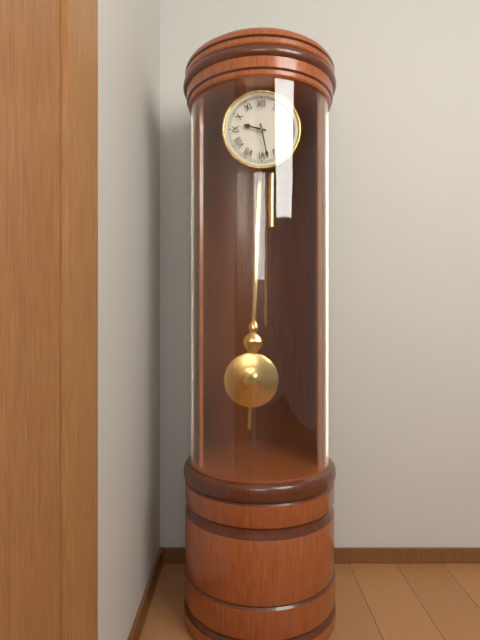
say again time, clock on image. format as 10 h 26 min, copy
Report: 9 h 28 min
